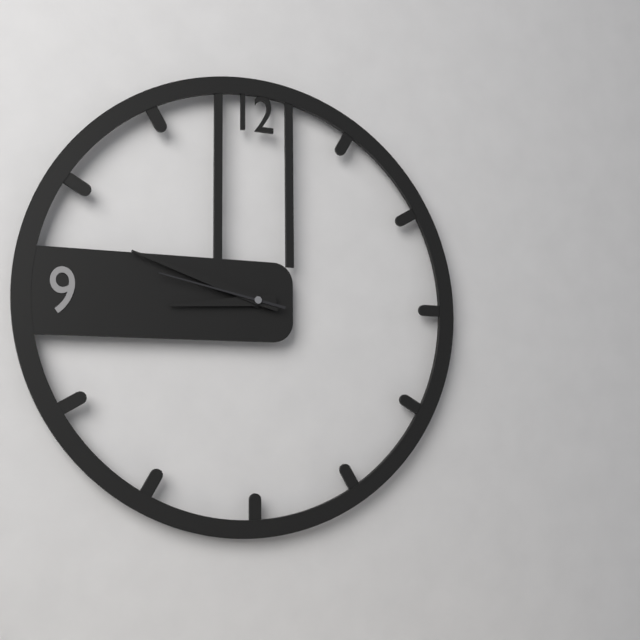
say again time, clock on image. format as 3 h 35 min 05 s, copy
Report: 8 h 48 min 47 s
